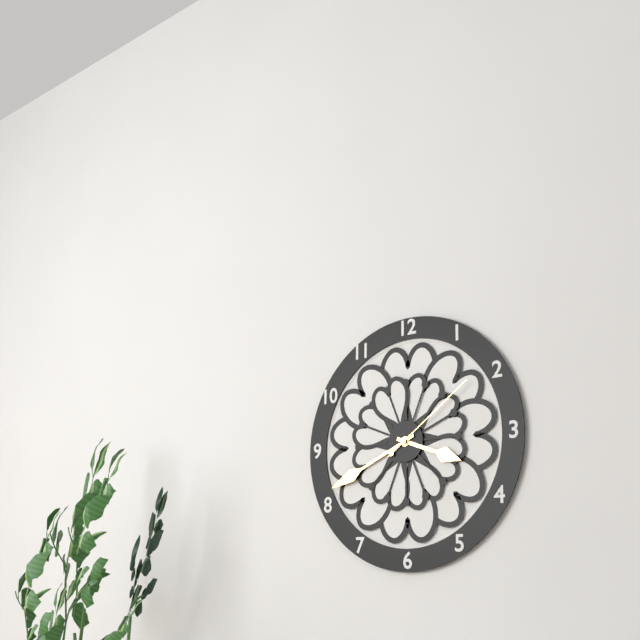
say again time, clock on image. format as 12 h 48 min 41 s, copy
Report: 3 h 41 min 09 s
